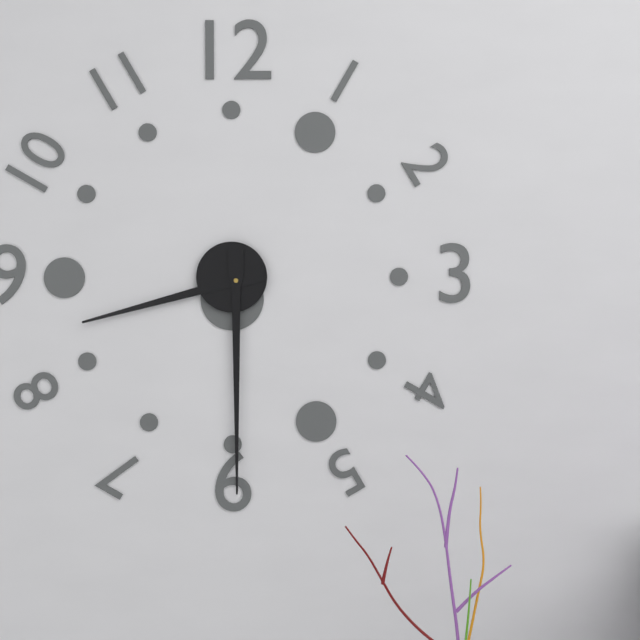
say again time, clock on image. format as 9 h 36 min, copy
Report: 8 h 30 min
